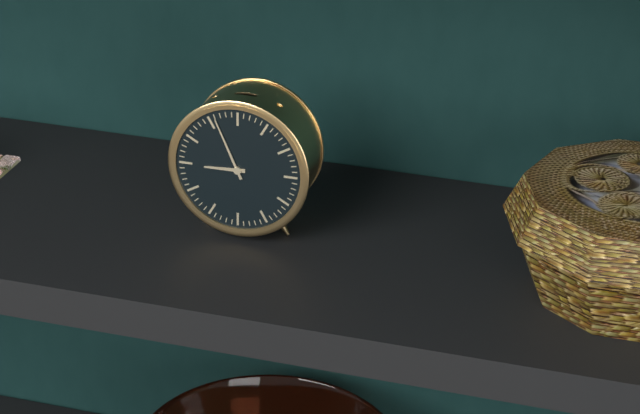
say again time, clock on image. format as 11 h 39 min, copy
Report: 8 h 56 min
